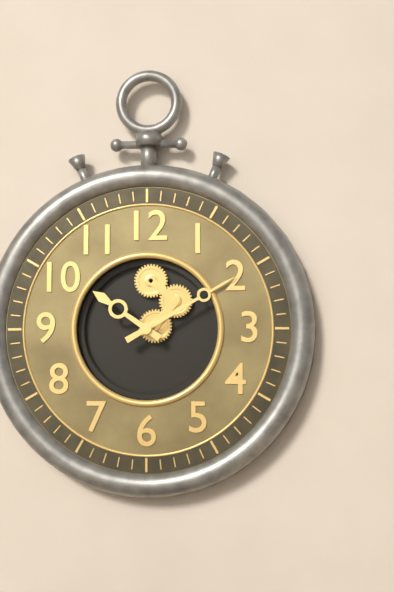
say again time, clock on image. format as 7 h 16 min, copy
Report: 10 h 10 min
